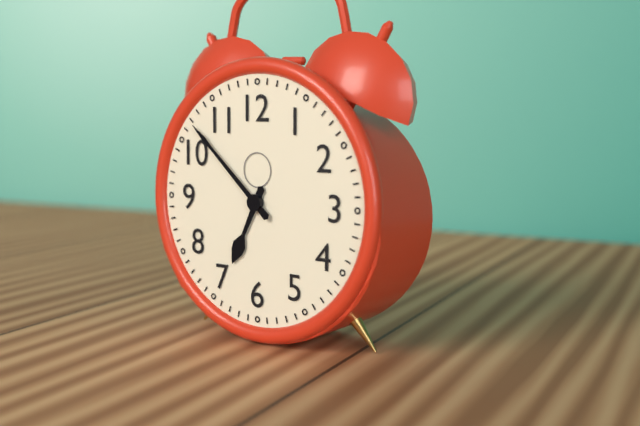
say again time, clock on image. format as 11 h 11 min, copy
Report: 6 h 52 min
